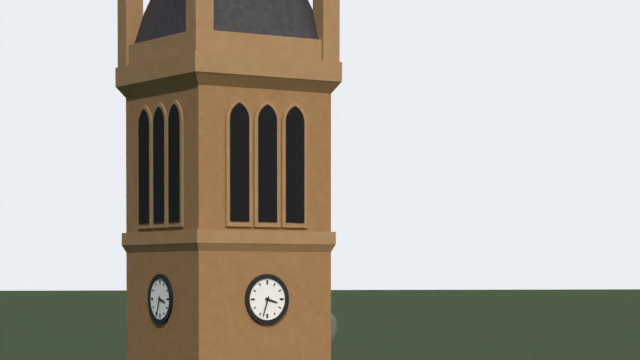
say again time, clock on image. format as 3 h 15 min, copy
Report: 3 h 33 min
